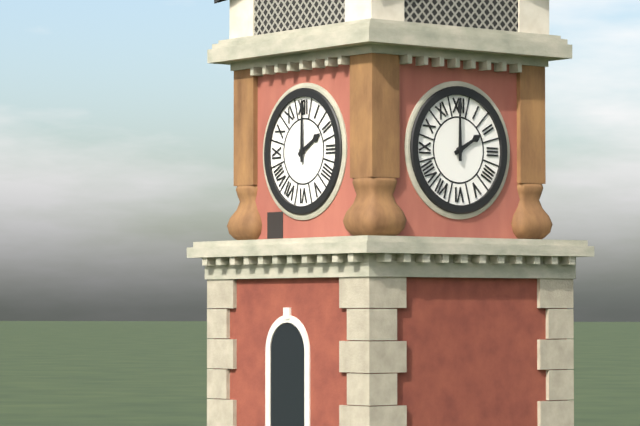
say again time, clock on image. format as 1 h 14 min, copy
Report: 2 h 00 min
